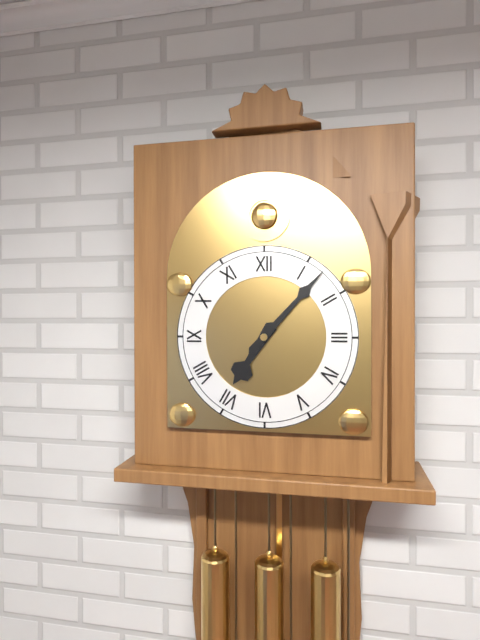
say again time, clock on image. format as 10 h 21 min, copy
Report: 7 h 07 min
